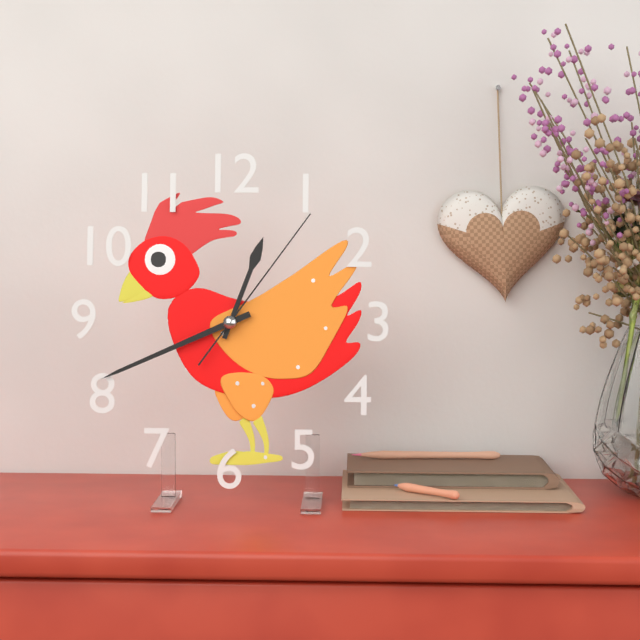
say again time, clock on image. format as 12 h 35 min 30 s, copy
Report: 12 h 41 min 06 s
